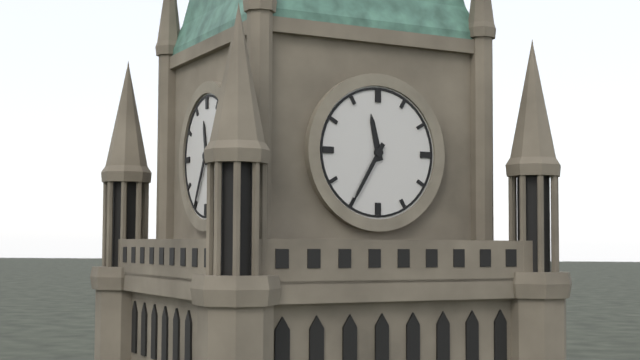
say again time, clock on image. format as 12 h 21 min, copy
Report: 11 h 35 min
